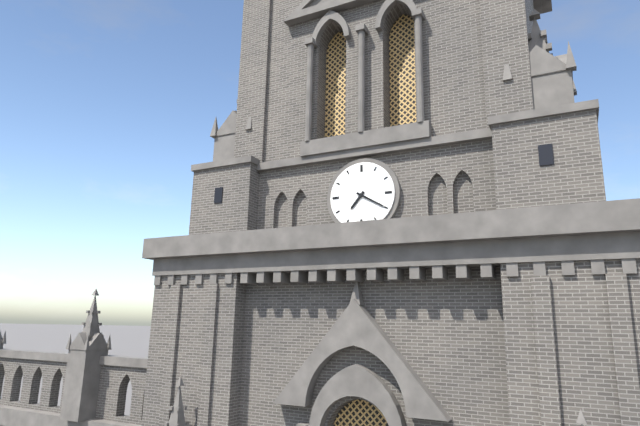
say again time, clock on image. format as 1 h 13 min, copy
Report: 7 h 20 min
